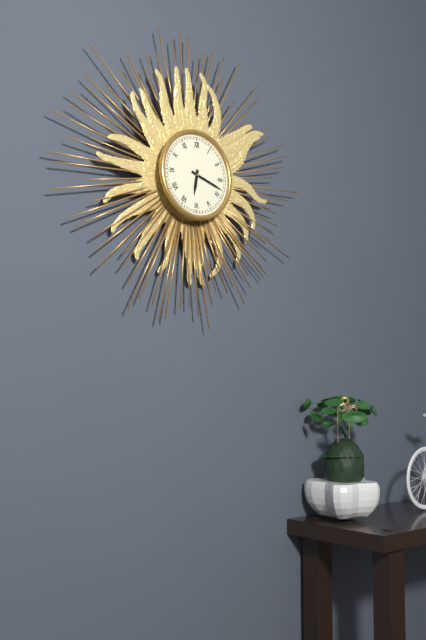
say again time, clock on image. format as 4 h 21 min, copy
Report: 6 h 18 min
